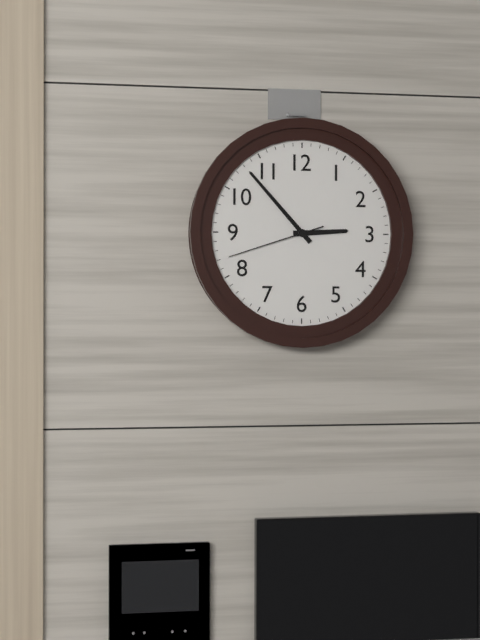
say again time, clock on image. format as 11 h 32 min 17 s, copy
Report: 2 h 53 min 42 s
